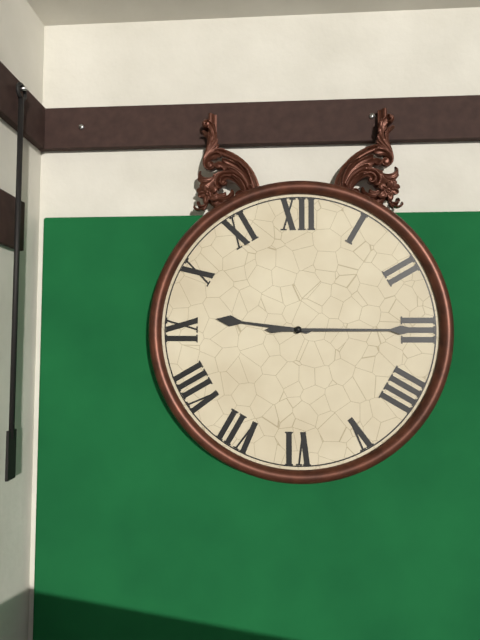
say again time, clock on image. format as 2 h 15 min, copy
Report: 9 h 15 min
